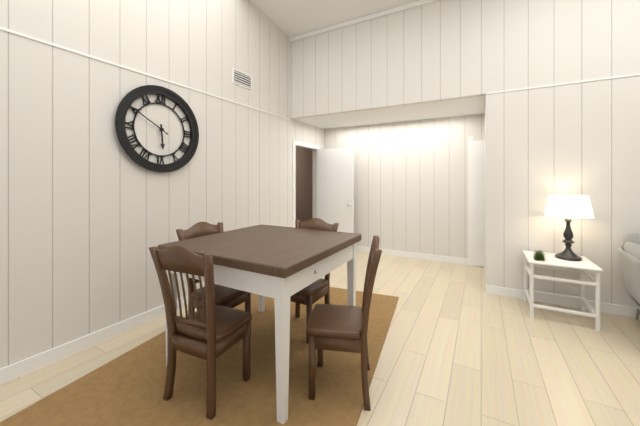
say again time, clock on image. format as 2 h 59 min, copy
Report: 5 h 50 min
